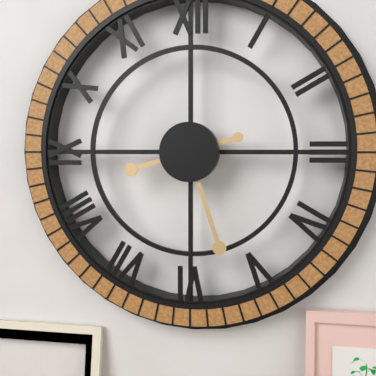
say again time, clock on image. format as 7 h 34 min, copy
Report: 8 h 27 min
